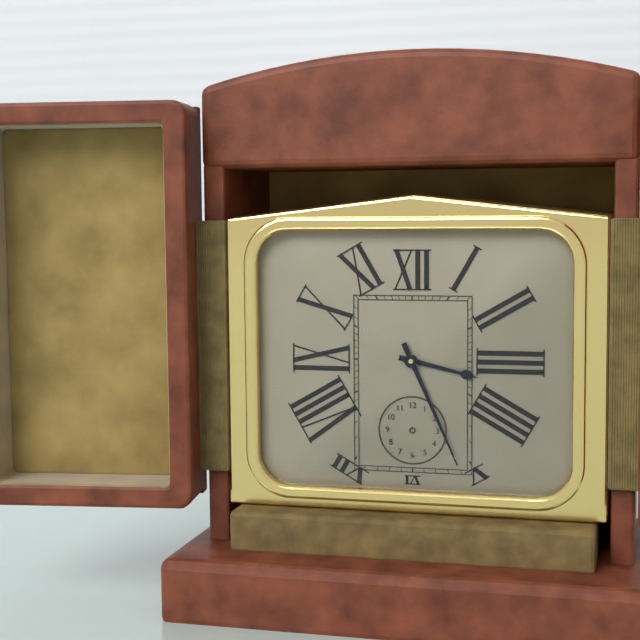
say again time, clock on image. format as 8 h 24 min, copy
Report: 3 h 26 min
